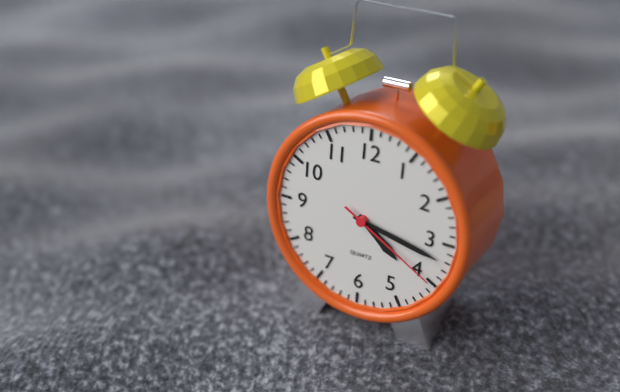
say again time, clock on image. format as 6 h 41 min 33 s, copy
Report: 4 h 17 min 20 s
